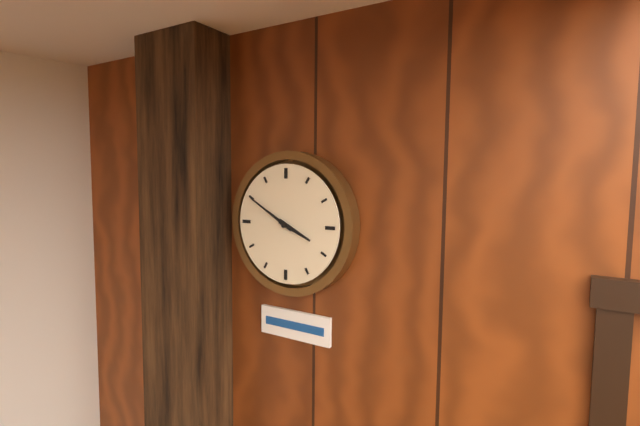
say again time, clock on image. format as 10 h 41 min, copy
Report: 3 h 50 min
